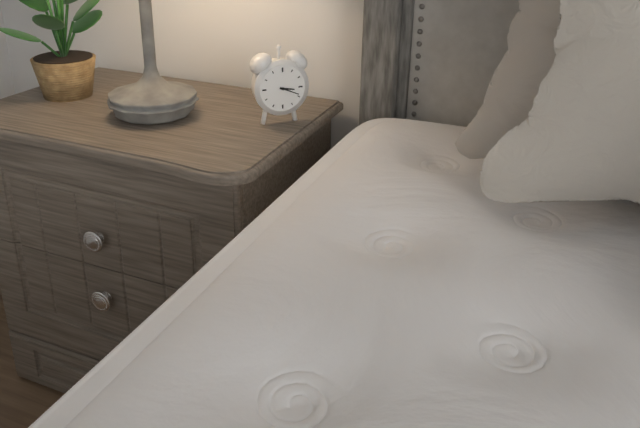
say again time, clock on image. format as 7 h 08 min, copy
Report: 3 h 19 min
